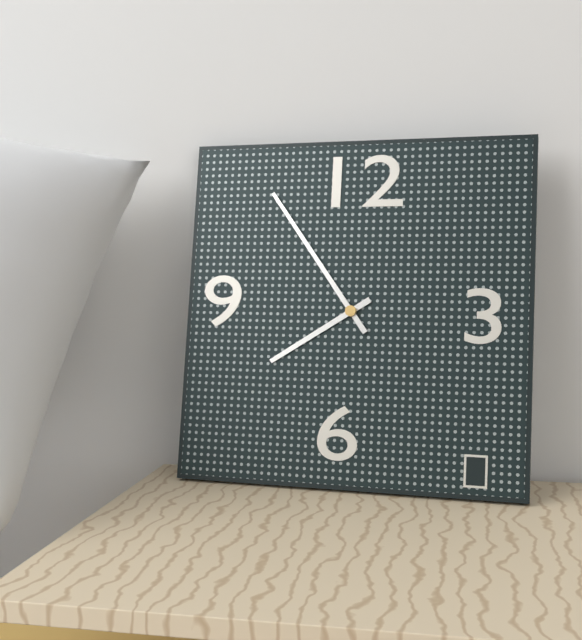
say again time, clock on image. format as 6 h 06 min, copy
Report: 7 h 54 min
